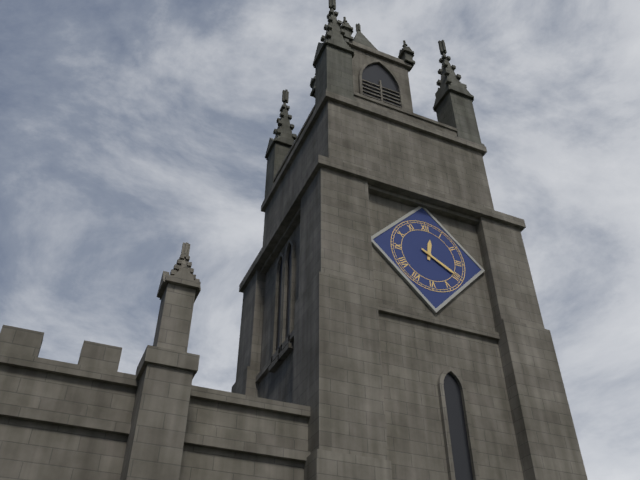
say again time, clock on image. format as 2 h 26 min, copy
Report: 12 h 20 min
